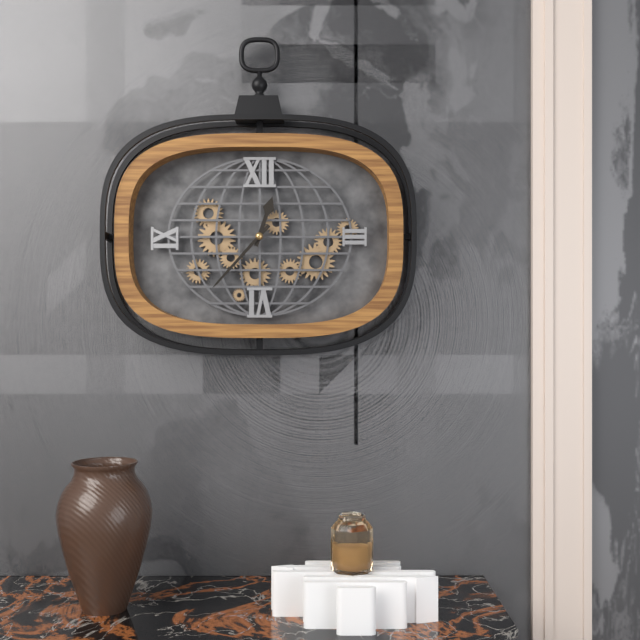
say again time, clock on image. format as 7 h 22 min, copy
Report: 12 h 37 min
